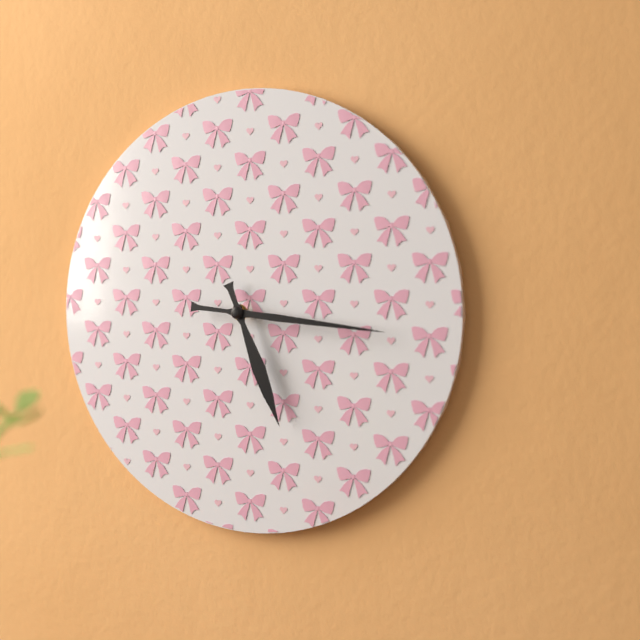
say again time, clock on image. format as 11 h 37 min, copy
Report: 5 h 16 min
